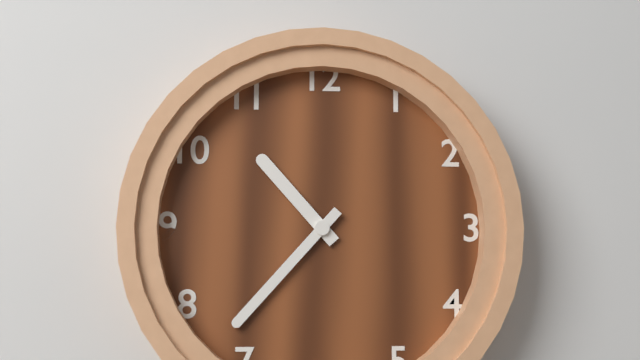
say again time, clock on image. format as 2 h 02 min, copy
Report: 10 h 37 min
